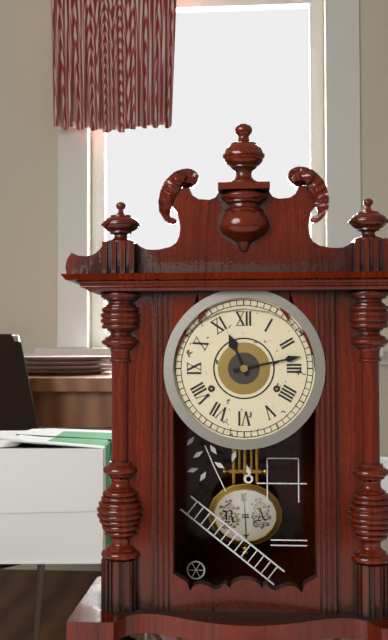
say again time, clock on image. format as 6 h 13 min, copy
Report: 11 h 13 min
